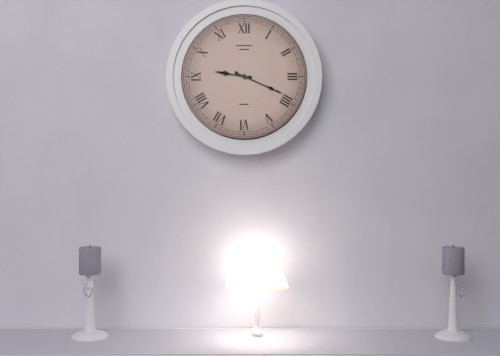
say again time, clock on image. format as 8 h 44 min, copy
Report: 9 h 19 min
